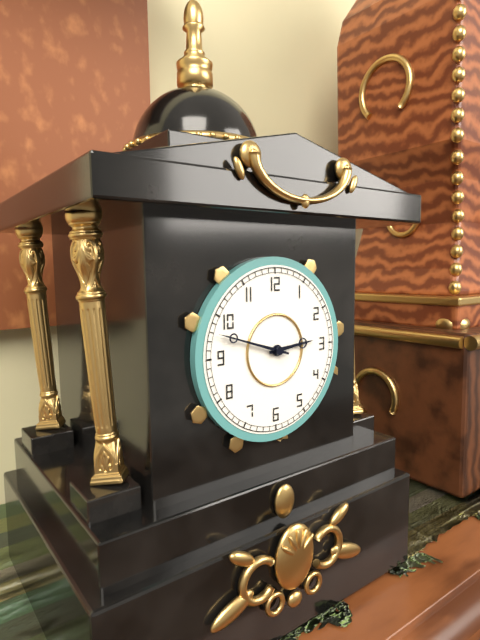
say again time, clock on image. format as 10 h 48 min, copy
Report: 2 h 48 min
